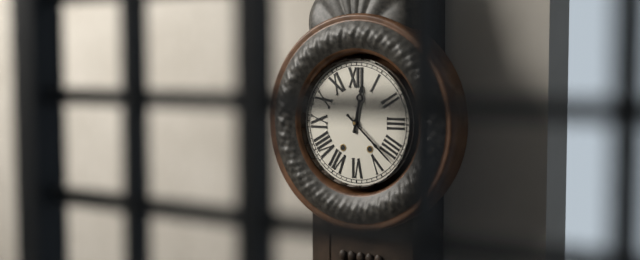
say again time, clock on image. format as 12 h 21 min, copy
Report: 12 h 22 min
